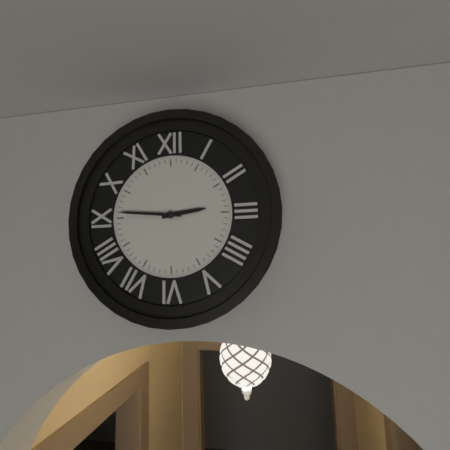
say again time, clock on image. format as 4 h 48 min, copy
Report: 2 h 46 min
